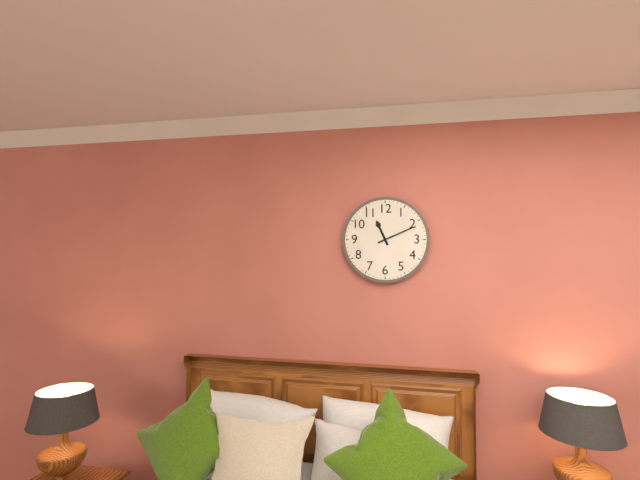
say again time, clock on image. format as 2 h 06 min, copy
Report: 11 h 11 min
